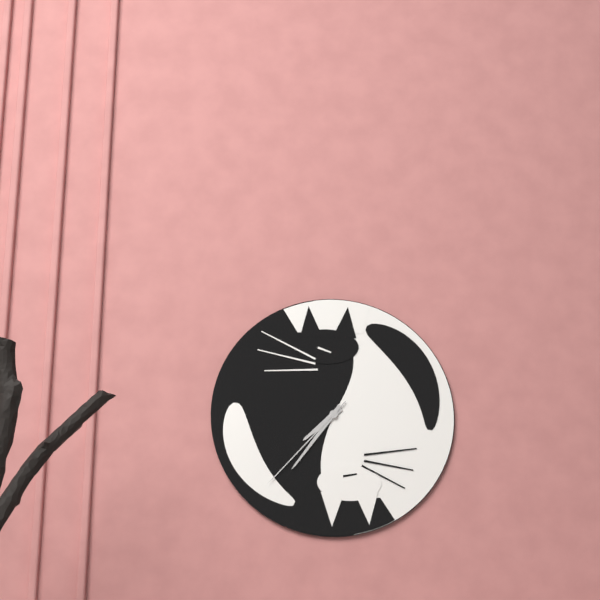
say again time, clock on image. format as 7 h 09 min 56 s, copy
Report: 7 h 36 min 37 s
